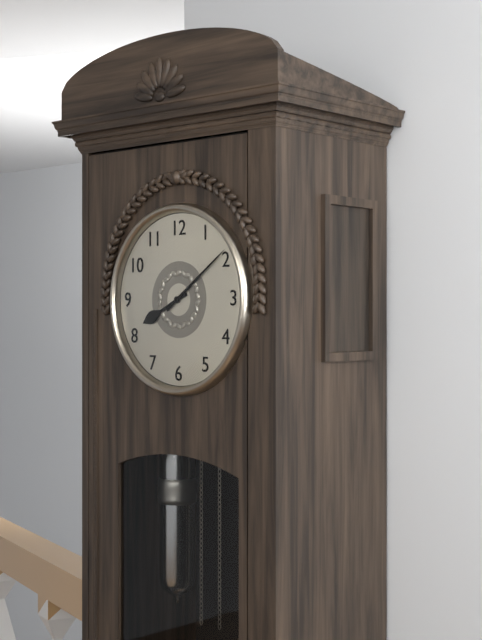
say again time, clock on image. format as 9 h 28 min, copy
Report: 8 h 09 min
